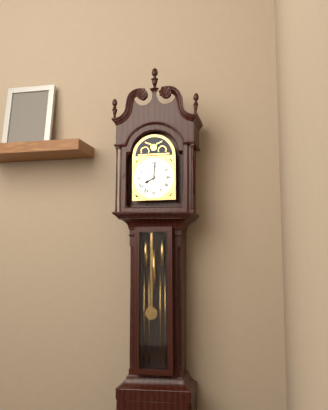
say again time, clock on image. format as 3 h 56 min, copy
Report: 8 h 01 min
